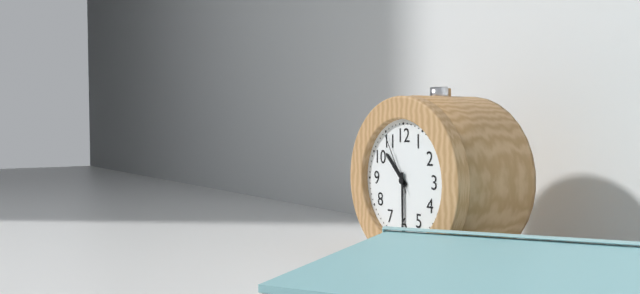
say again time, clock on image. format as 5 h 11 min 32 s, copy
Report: 10 h 30 min 55 s
